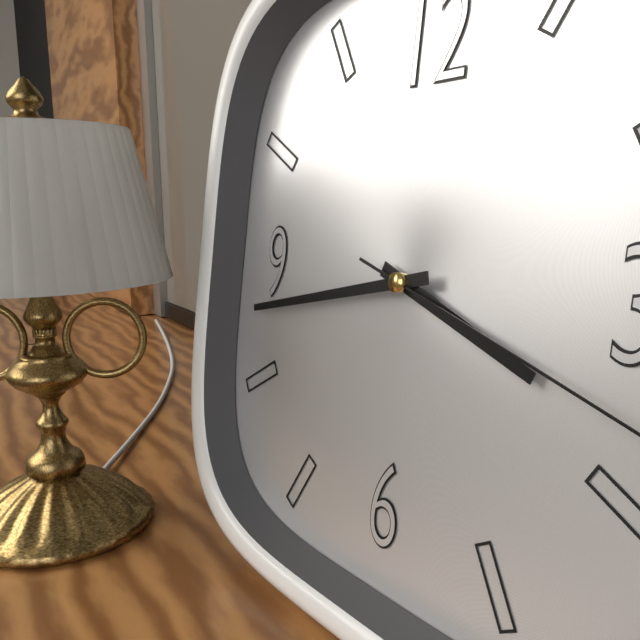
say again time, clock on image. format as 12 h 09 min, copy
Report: 3 h 43 min
